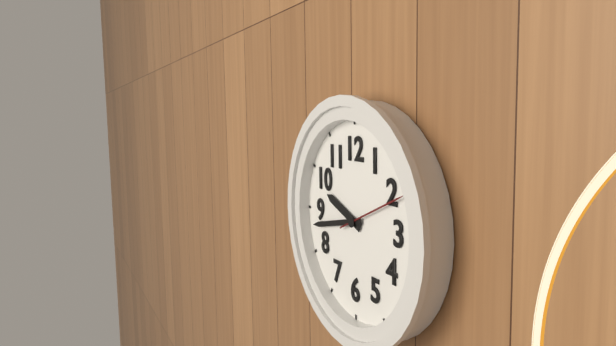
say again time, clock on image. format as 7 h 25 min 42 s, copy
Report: 9 h 43 min 11 s
